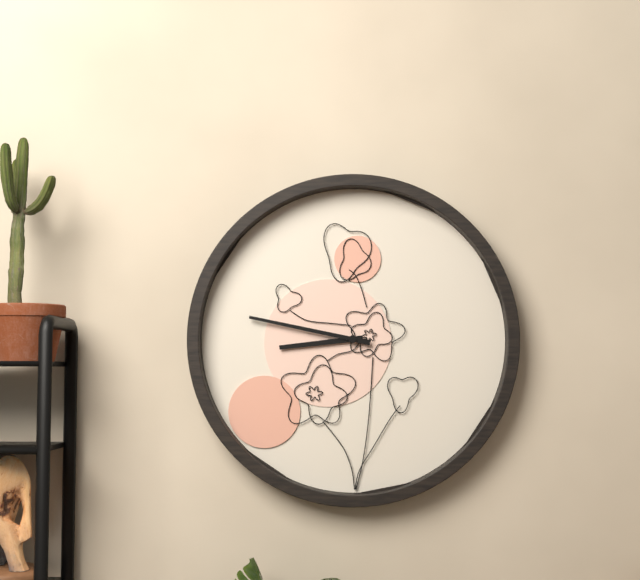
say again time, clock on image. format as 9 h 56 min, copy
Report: 8 h 47 min
